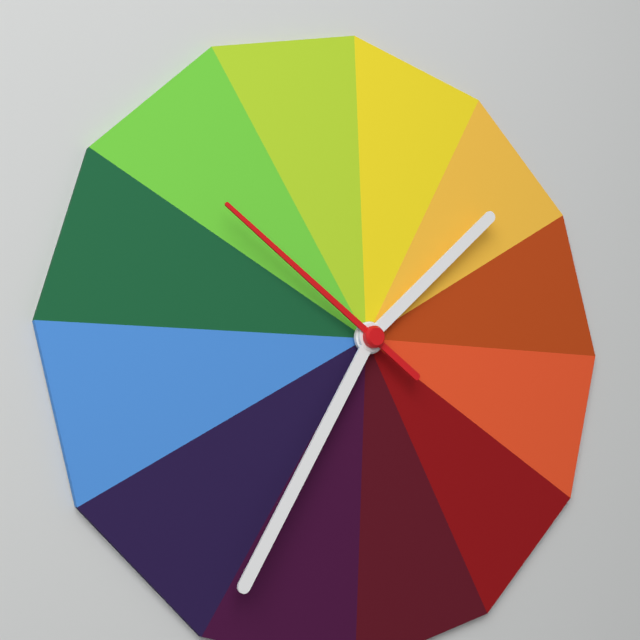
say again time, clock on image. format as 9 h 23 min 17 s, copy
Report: 1 h 35 min 51 s
